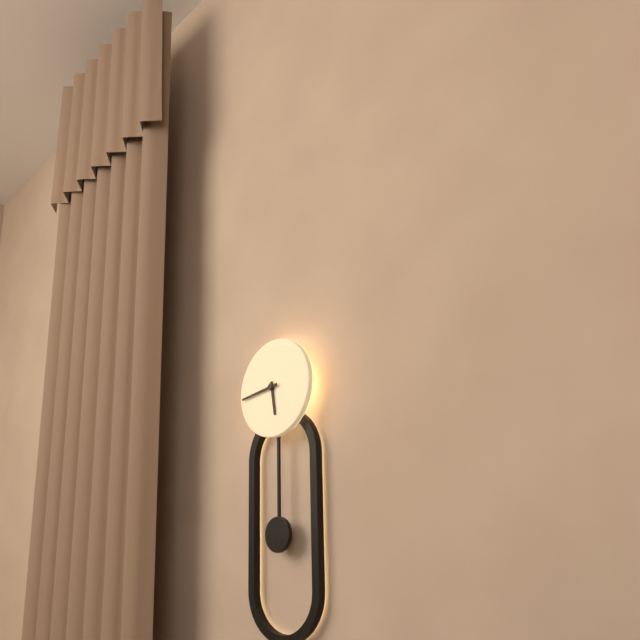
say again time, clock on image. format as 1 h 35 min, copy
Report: 5 h 44 min
